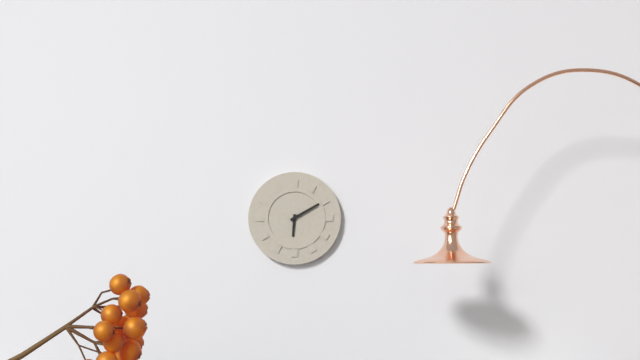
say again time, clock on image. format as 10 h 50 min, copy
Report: 6 h 10 min
